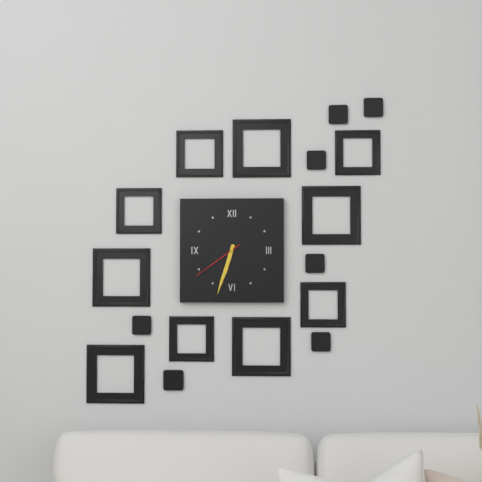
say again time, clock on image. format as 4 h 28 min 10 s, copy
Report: 6 h 33 min 39 s
